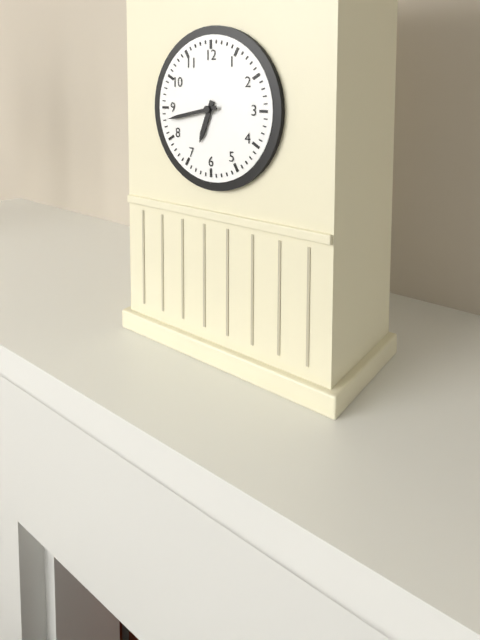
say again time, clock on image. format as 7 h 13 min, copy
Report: 6 h 43 min
